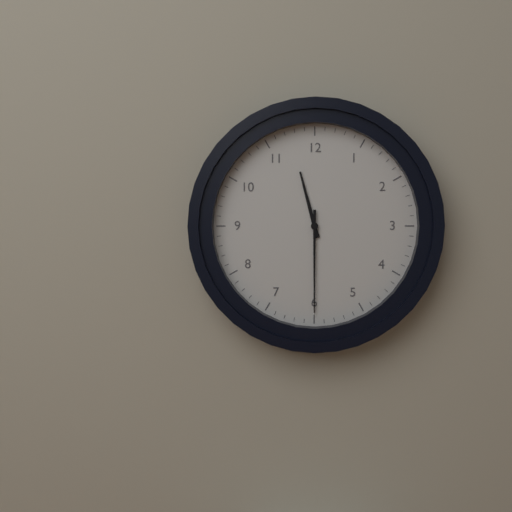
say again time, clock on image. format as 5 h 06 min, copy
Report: 11 h 30 min
